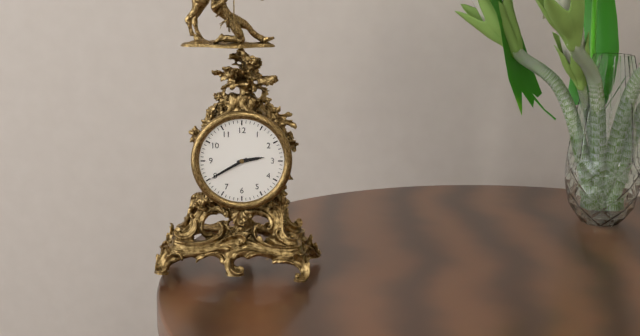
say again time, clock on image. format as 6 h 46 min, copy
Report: 2 h 40 min
